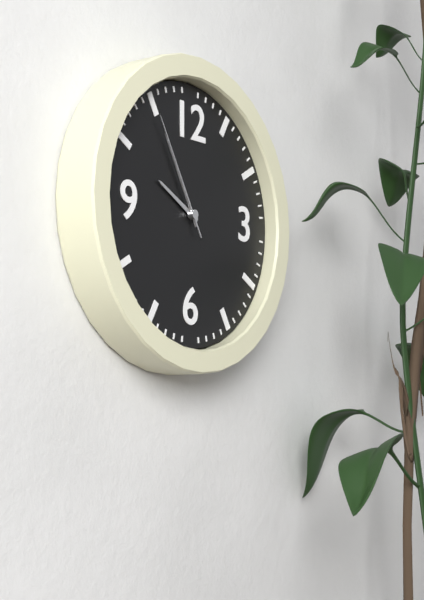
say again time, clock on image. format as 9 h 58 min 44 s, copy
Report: 9 h 55 min 55 s
